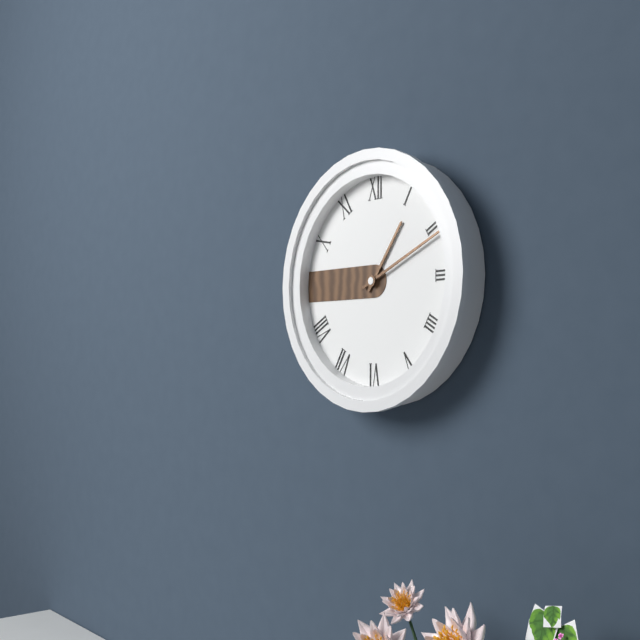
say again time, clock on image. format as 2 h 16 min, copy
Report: 1 h 11 min
